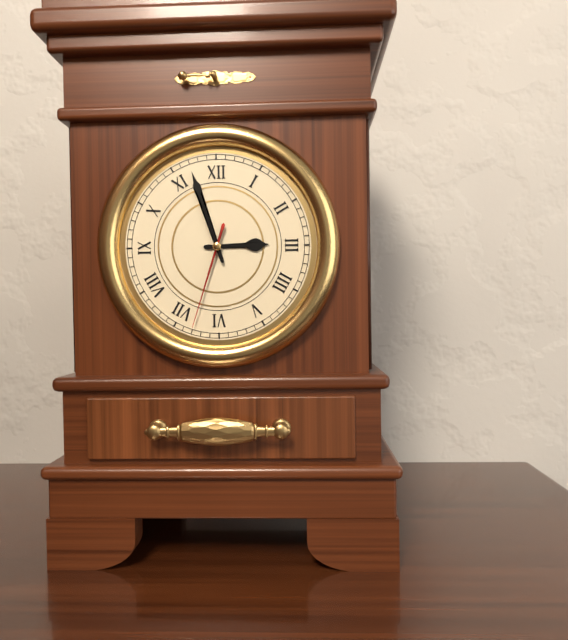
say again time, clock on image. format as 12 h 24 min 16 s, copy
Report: 2 h 57 min 33 s
